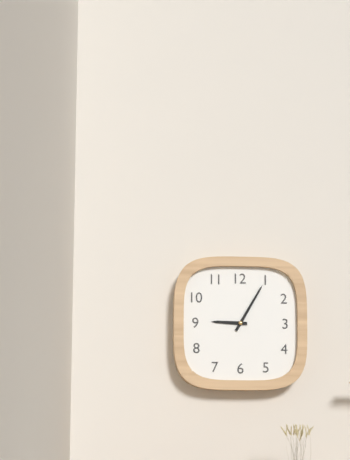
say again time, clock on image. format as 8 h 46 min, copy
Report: 9 h 05 min
